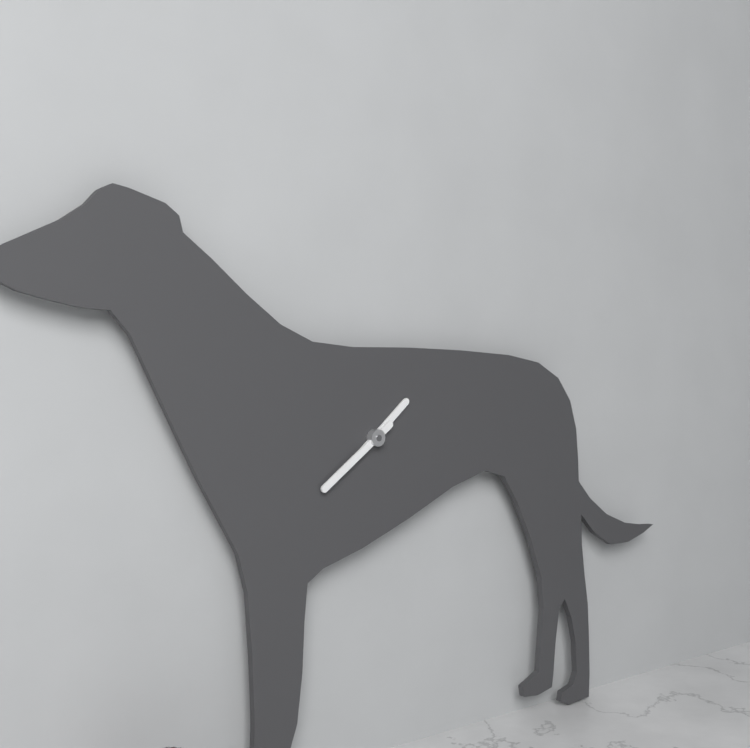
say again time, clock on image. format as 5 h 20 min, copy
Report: 1 h 39 min
